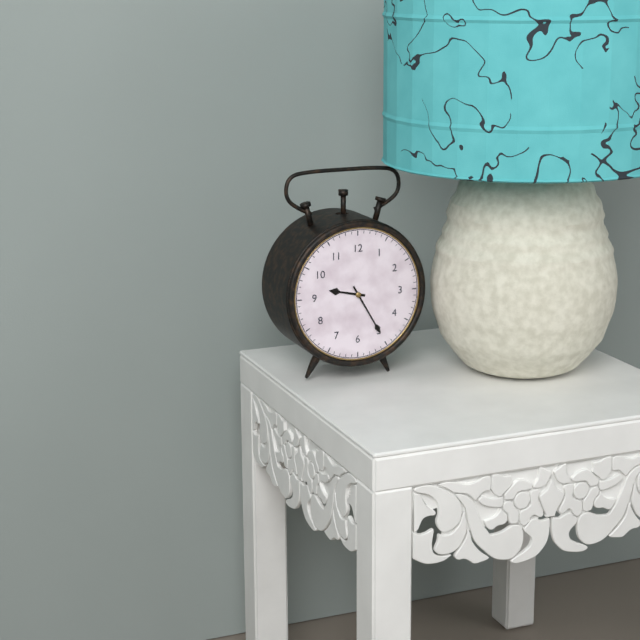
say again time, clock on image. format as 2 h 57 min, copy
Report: 9 h 25 min
